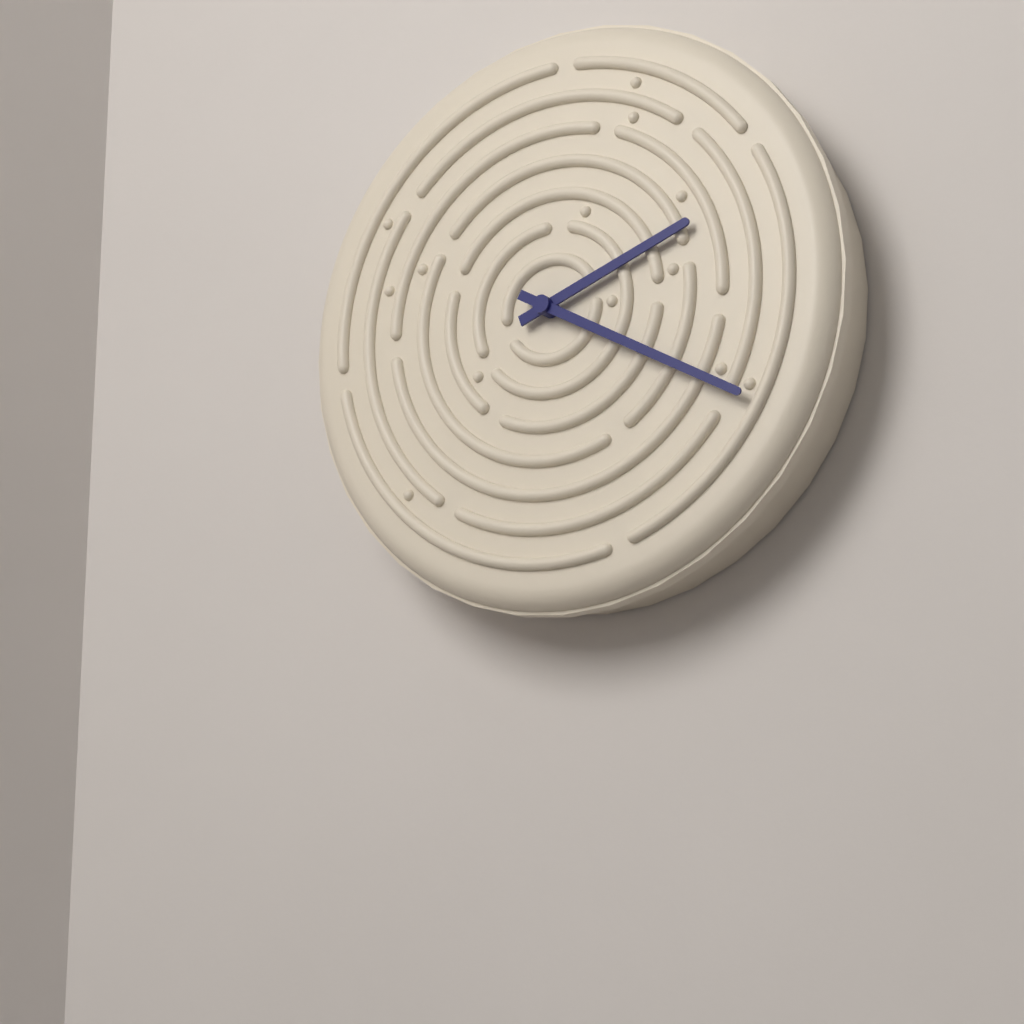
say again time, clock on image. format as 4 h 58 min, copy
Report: 2 h 20 min
